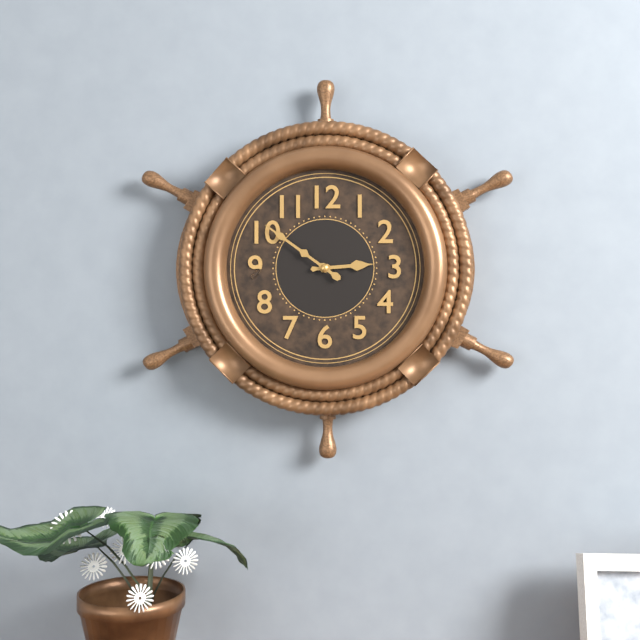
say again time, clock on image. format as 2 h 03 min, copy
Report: 2 h 51 min
